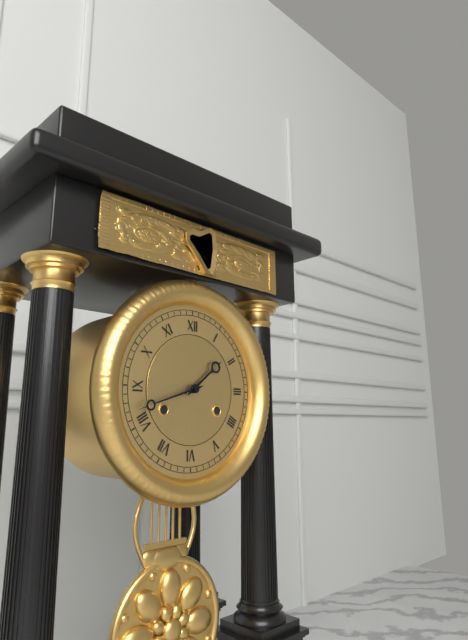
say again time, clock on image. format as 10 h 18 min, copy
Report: 1 h 42 min
